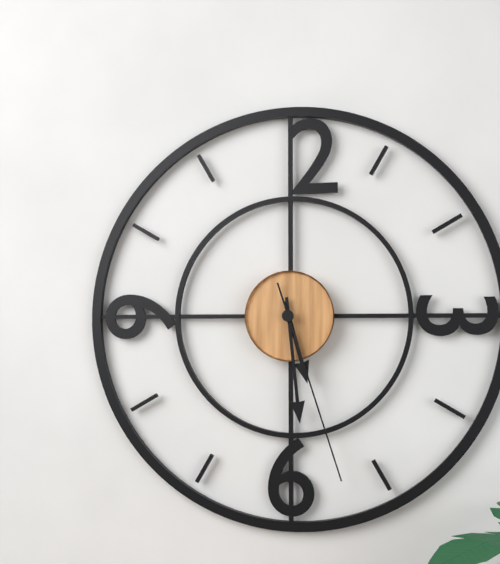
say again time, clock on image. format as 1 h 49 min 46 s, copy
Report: 5 h 29 min 27 s
